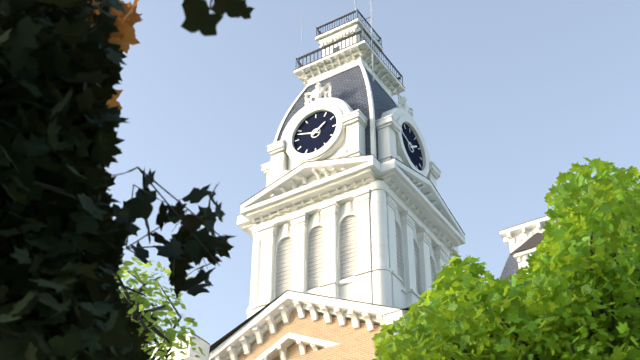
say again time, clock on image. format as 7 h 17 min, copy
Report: 1 h 48 min
